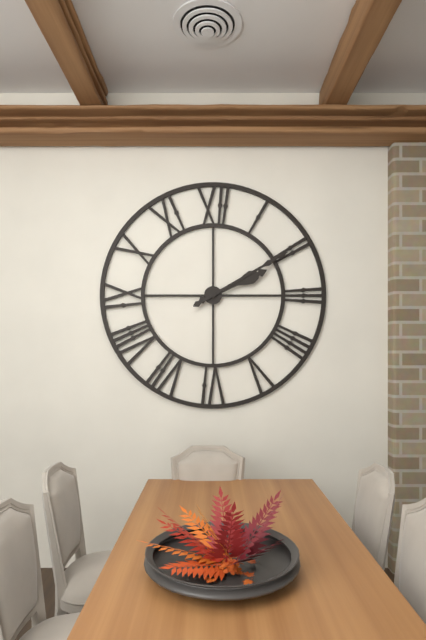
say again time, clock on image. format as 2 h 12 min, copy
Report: 2 h 10 min
